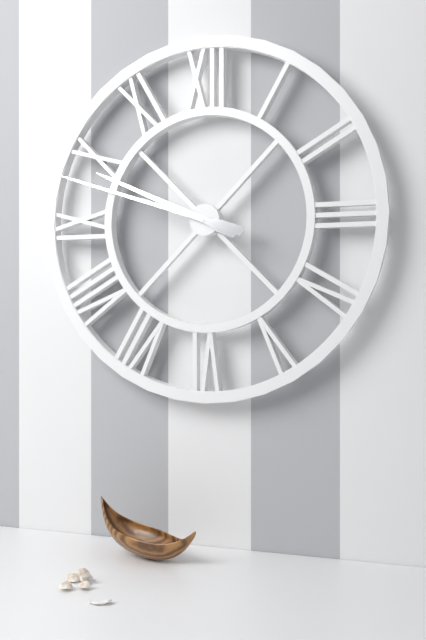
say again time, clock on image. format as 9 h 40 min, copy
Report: 9 h 48 min
